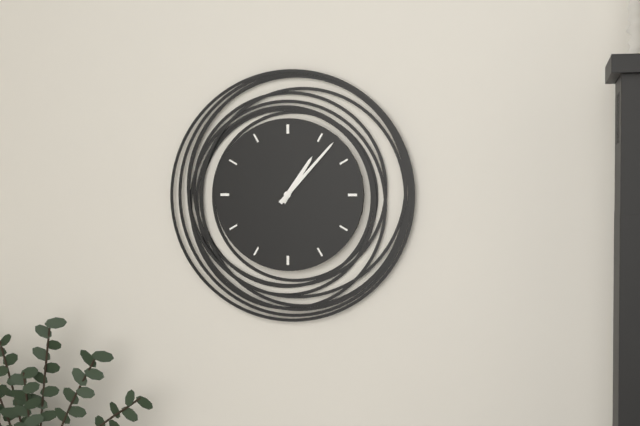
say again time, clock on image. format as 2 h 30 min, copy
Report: 1 h 07 min
